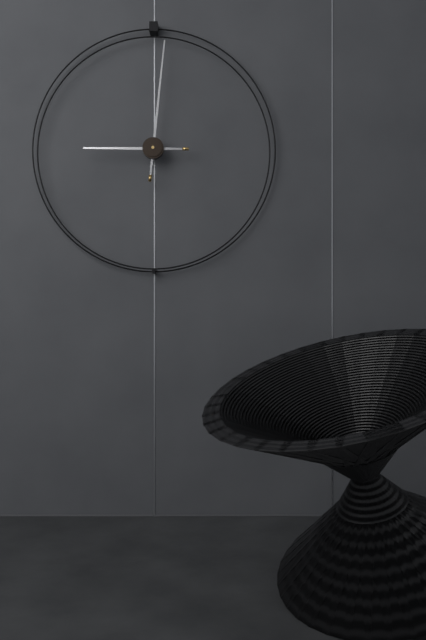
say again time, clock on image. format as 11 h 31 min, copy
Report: 9 h 01 min
